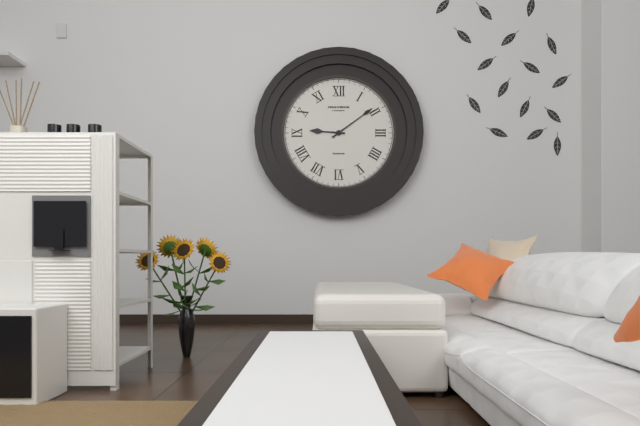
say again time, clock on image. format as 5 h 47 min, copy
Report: 9 h 09 min
